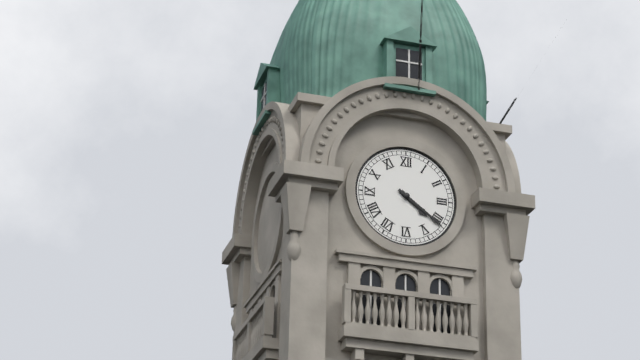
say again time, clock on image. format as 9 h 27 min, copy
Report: 4 h 21 min
